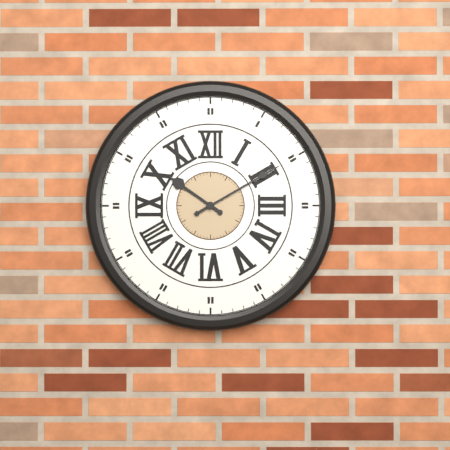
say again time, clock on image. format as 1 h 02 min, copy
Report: 10 h 10 min
